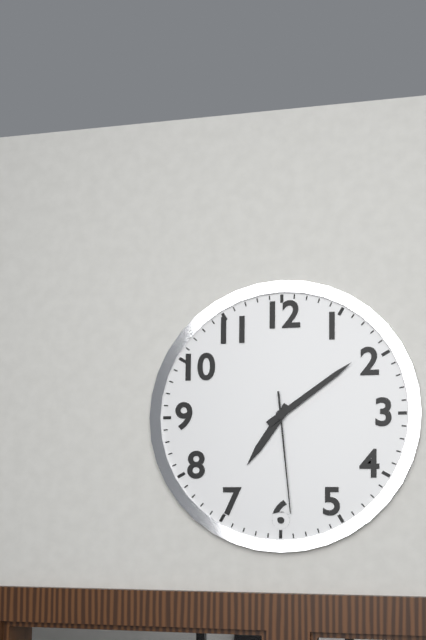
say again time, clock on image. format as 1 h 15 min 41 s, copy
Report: 7 h 09 min 29 s
